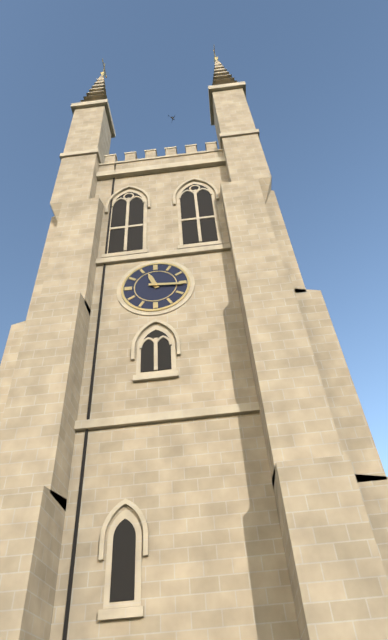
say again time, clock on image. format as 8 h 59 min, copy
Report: 11 h 16 min
